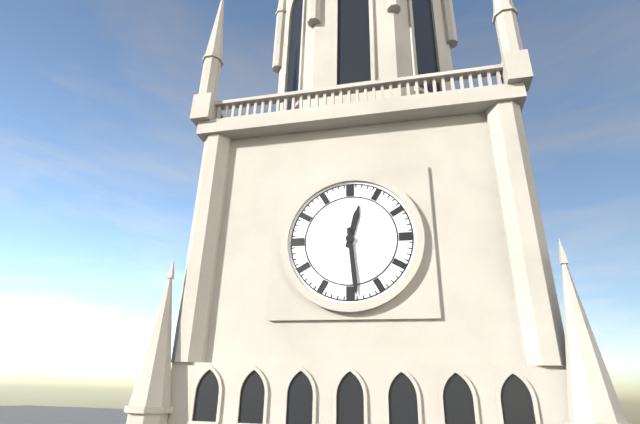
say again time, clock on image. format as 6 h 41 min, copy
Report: 12 h 29 min
